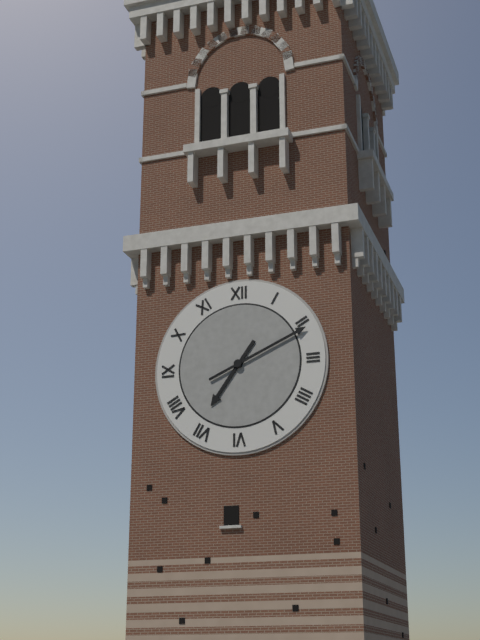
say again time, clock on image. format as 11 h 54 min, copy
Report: 7 h 11 min
